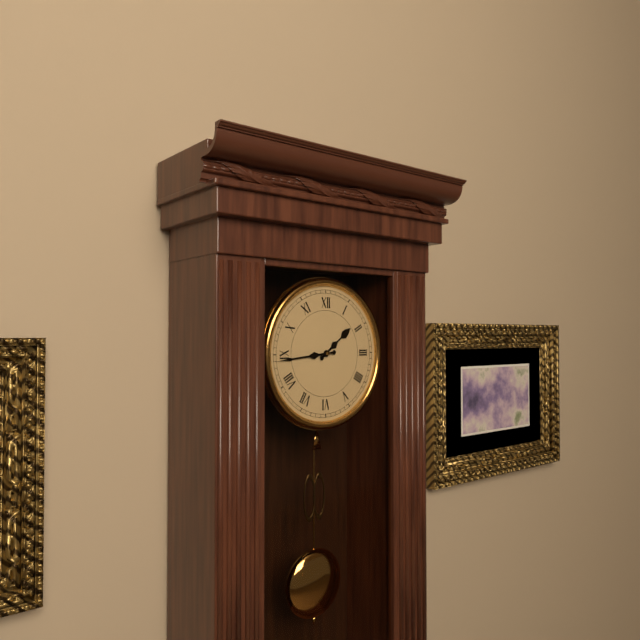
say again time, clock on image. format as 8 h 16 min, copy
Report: 1 h 44 min
